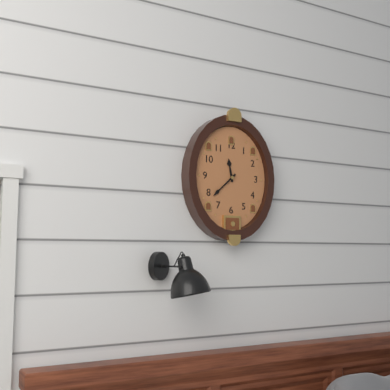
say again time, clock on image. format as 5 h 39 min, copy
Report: 11 h 38 min
